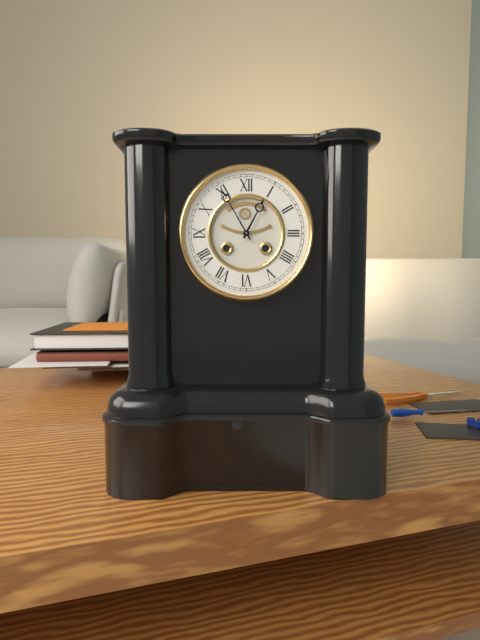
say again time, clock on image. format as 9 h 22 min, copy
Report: 12 h 55 min
